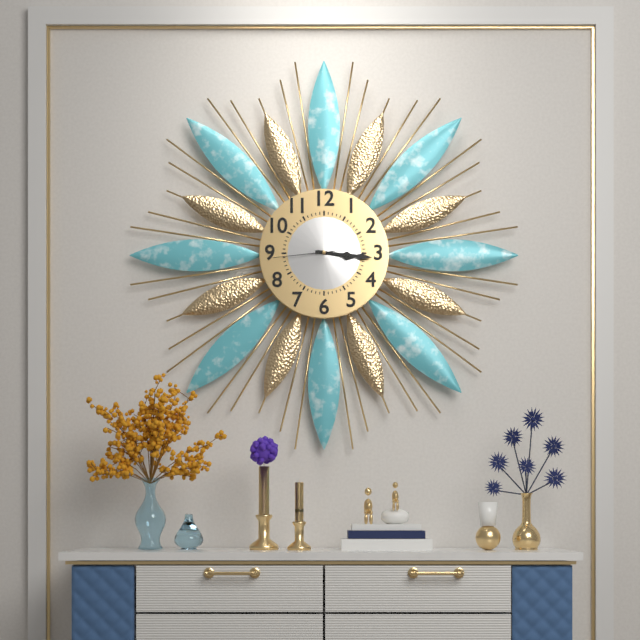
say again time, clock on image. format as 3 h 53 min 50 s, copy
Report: 3 h 16 min 44 s
